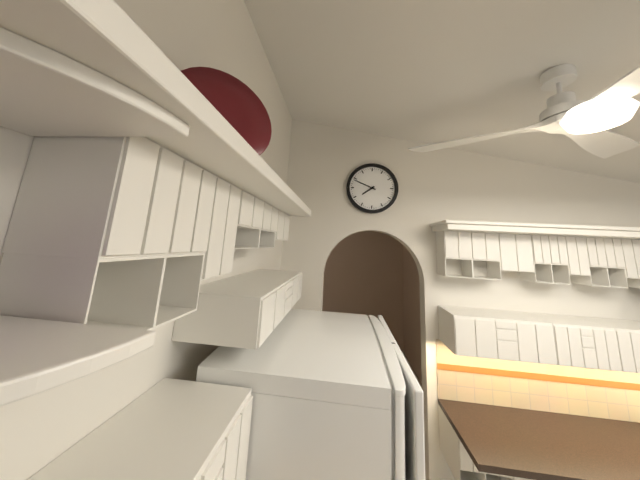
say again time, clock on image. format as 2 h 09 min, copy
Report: 7 h 49 min
